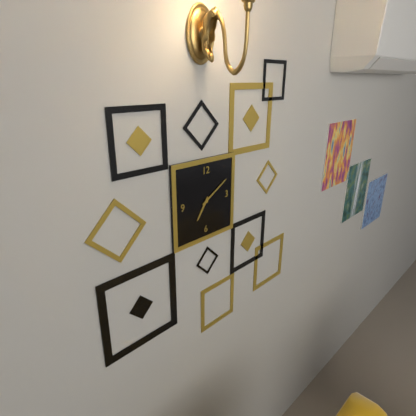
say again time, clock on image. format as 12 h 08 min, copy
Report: 7 h 10 min
